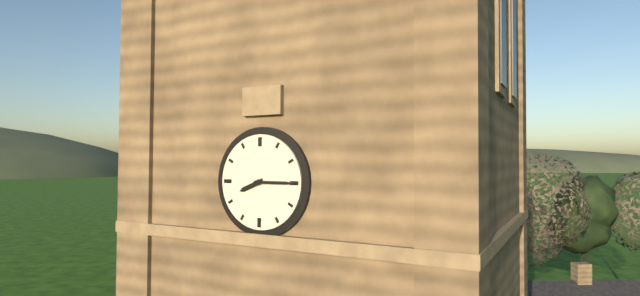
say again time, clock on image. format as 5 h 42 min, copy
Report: 8 h 15 min
